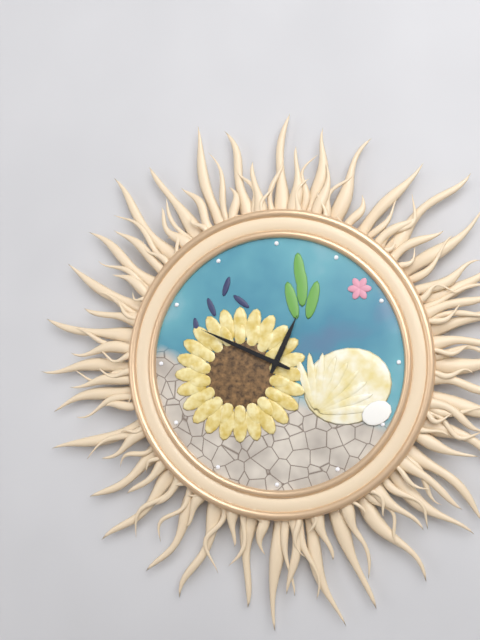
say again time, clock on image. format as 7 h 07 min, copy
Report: 12 h 49 min
